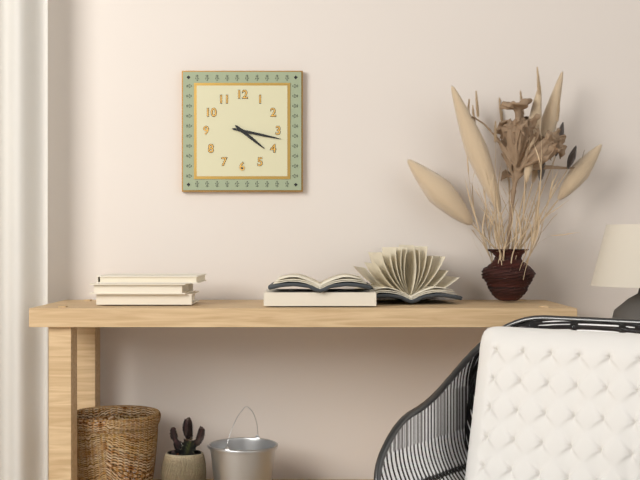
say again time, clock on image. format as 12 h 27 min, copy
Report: 4 h 17 min
